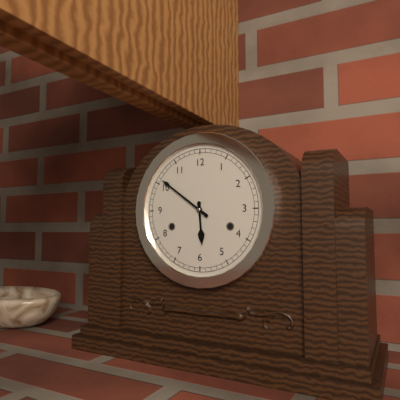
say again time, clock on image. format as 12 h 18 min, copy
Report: 5 h 51 min
